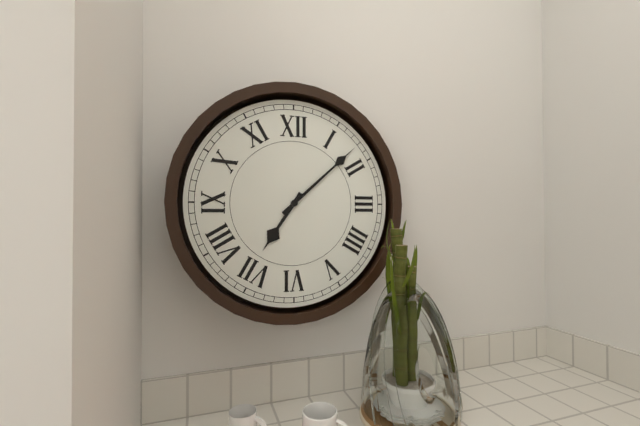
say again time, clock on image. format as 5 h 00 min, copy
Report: 7 h 08 min
